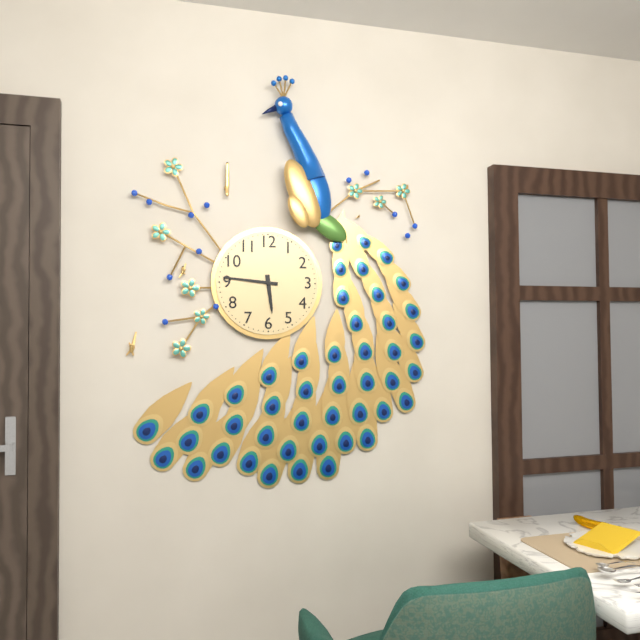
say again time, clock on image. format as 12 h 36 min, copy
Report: 5 h 46 min
